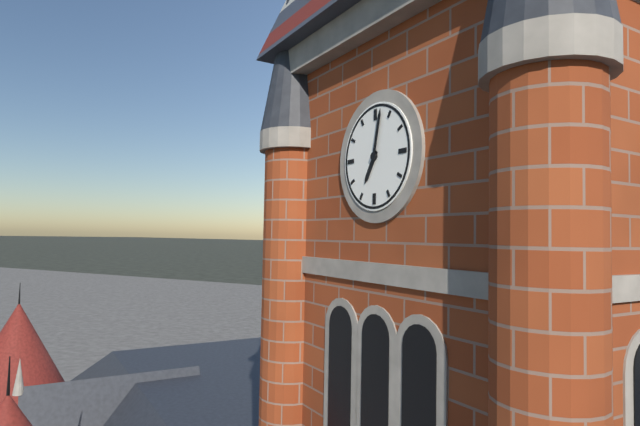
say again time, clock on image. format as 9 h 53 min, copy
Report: 7 h 02 min
